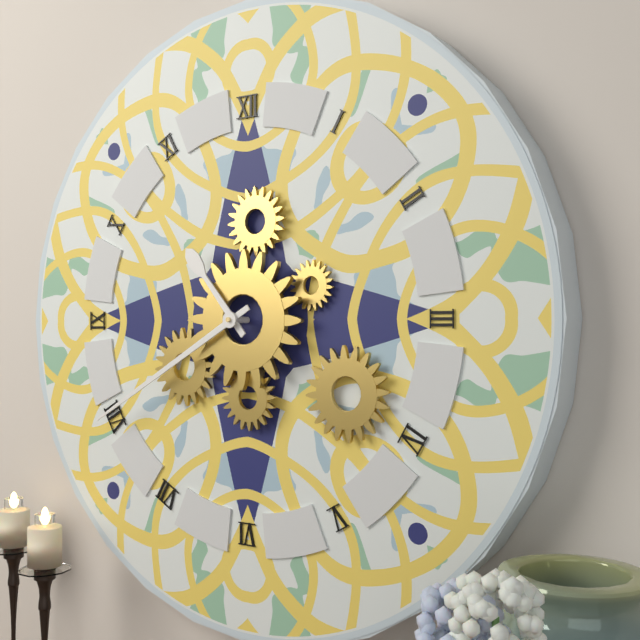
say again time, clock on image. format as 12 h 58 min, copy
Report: 10 h 40 min
